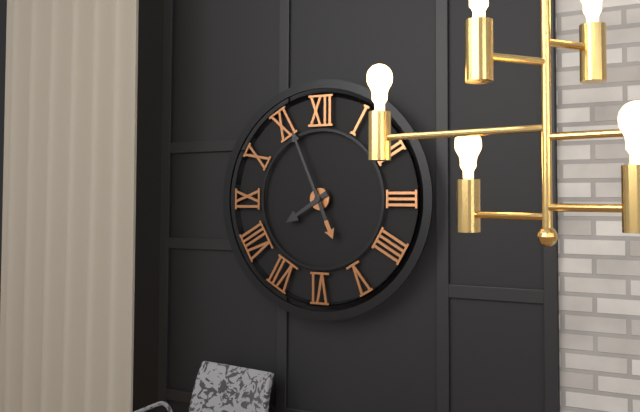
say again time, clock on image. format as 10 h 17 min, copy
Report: 7 h 56 min
